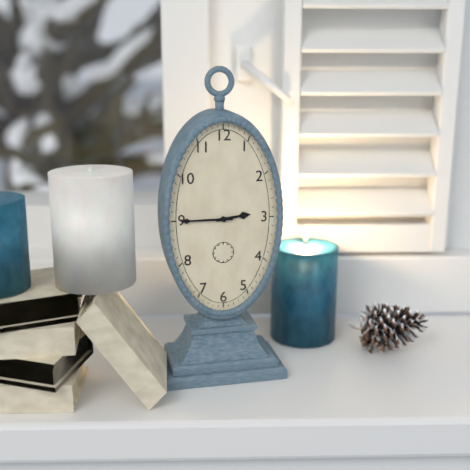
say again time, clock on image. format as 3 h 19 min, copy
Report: 2 h 45 min
